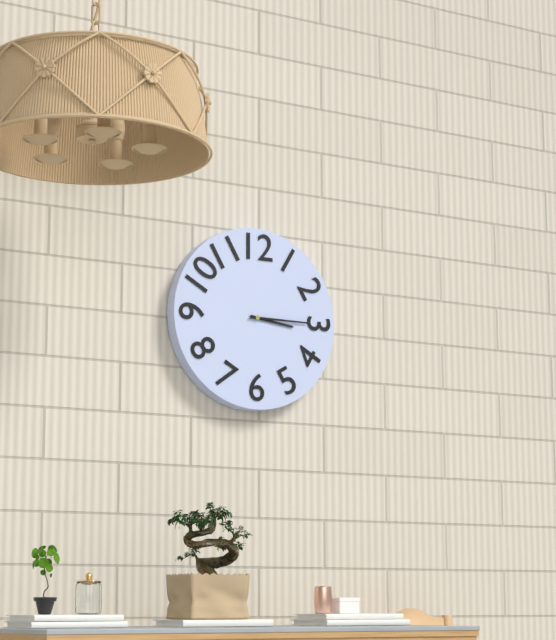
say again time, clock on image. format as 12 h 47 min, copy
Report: 3 h 15 min
